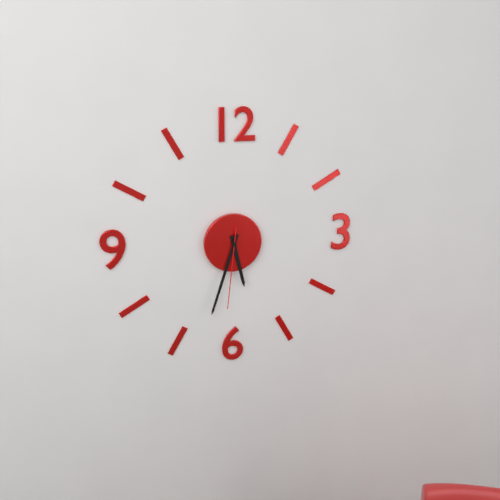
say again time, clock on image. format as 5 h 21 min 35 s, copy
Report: 5 h 33 min 31 s
